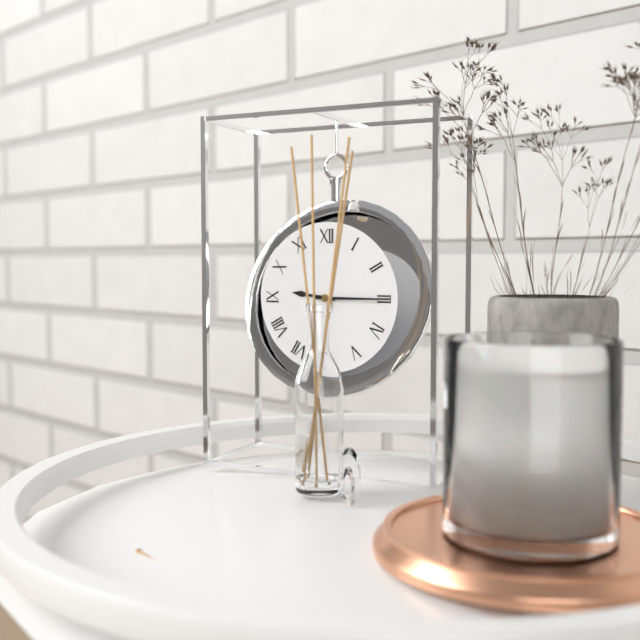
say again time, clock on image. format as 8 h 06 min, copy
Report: 9 h 15 min
